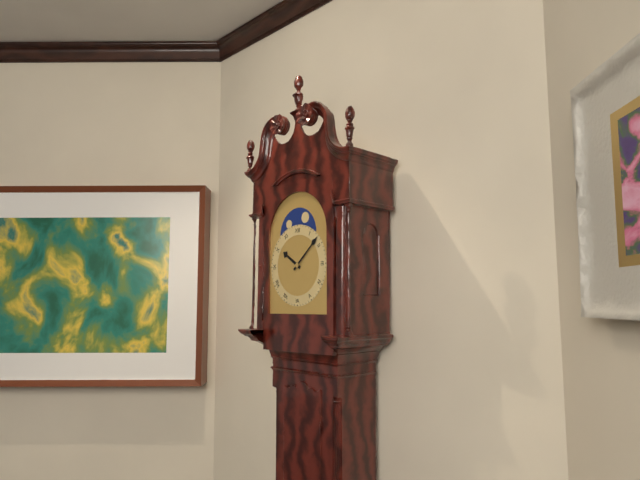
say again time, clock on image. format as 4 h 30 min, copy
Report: 10 h 08 min
